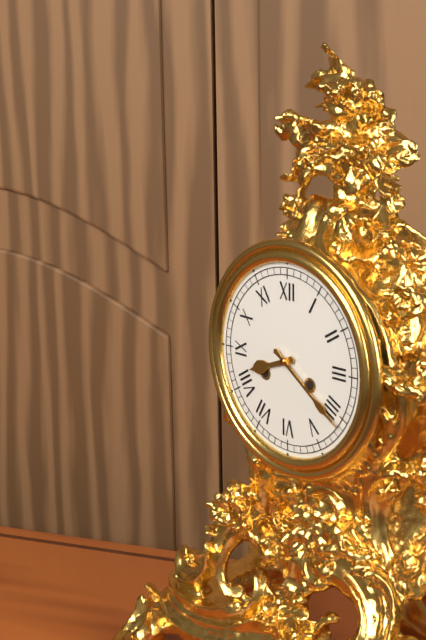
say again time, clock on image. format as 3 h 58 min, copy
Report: 8 h 21 min
